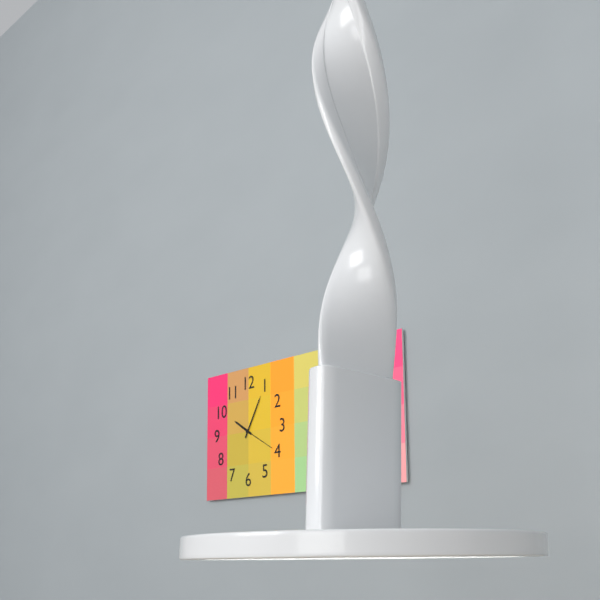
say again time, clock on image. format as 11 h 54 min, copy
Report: 10 h 05 min
